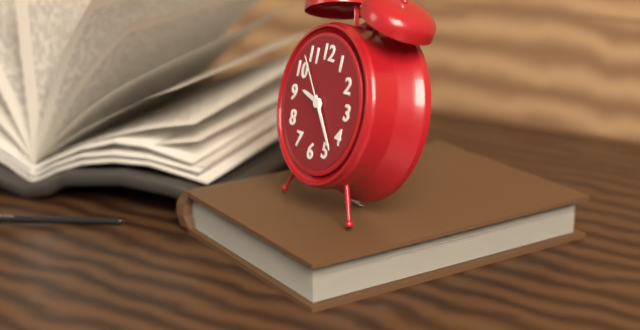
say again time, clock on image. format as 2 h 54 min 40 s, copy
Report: 9 h 23 min 53 s
